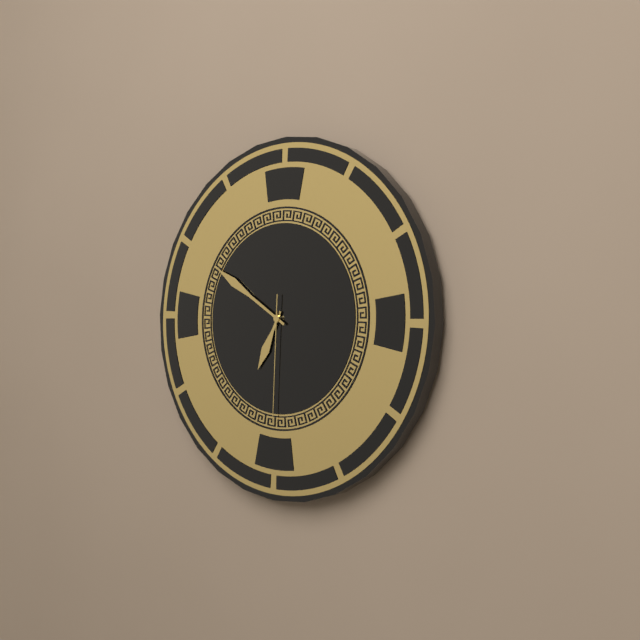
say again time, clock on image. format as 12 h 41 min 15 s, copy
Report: 6 h 50 min 30 s
